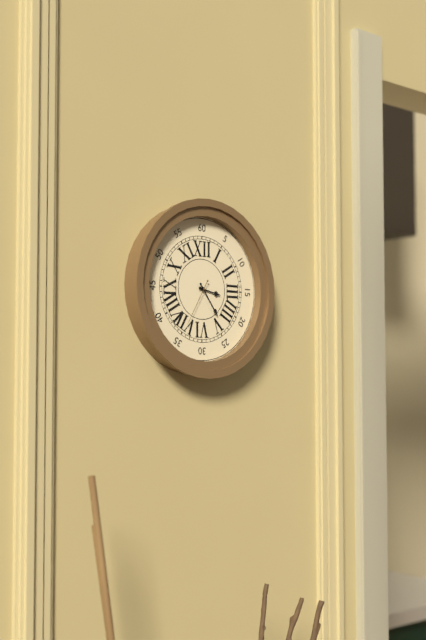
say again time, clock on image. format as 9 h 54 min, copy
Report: 3 h 24 min
